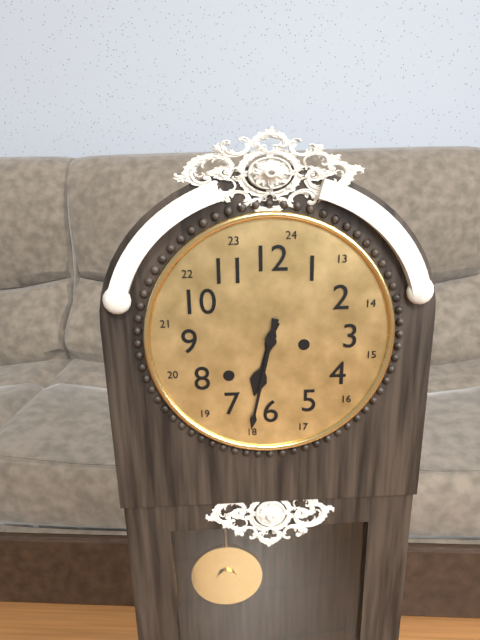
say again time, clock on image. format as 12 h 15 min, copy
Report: 6 h 32 min
